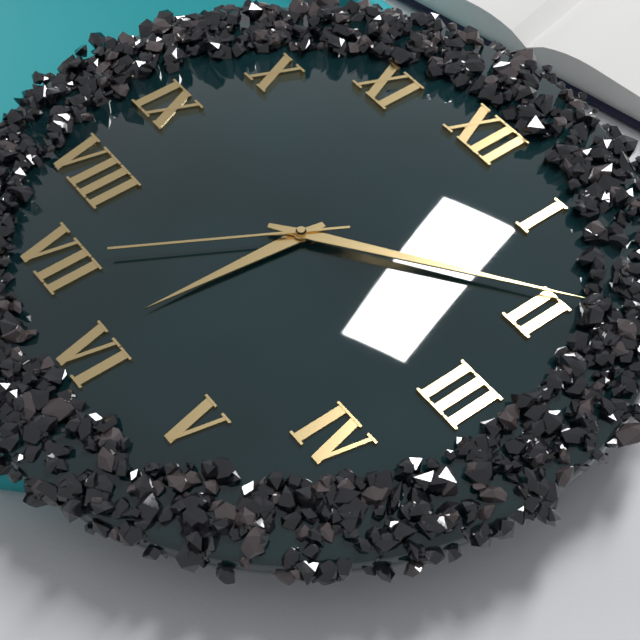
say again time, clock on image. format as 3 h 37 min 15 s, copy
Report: 6 h 09 min 35 s
